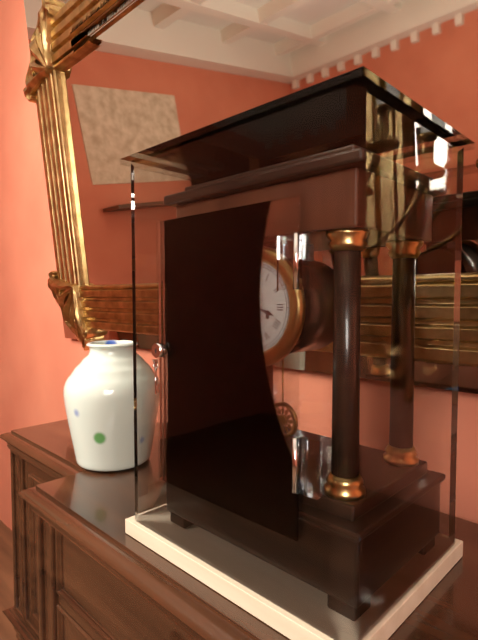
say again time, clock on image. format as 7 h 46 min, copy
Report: 3 h 35 min
